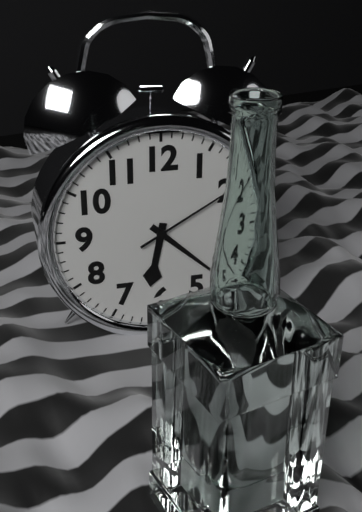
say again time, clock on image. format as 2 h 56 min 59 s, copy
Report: 6 h 22 min 10 s
